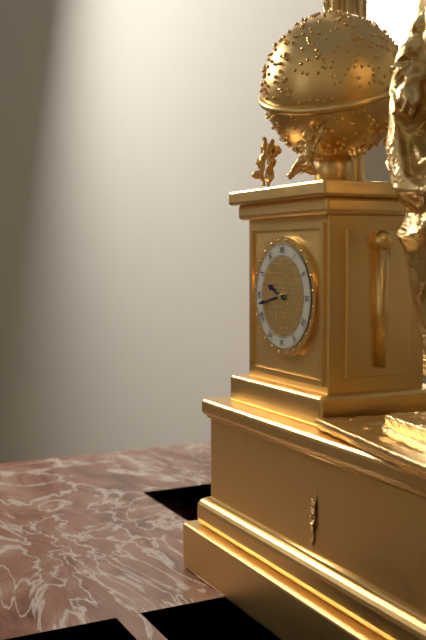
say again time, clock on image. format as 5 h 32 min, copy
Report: 9 h 43 min
